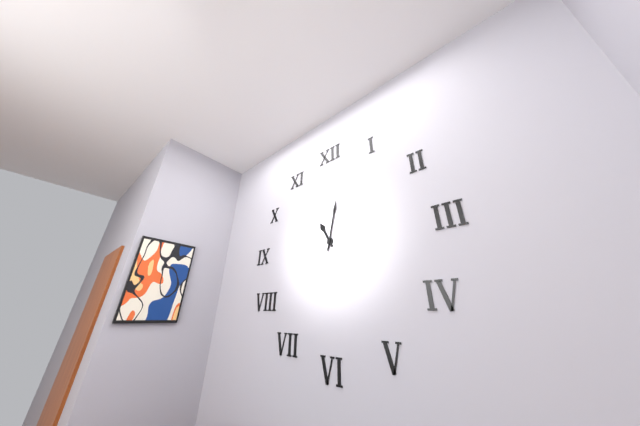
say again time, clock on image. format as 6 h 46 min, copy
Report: 11 h 02 min
